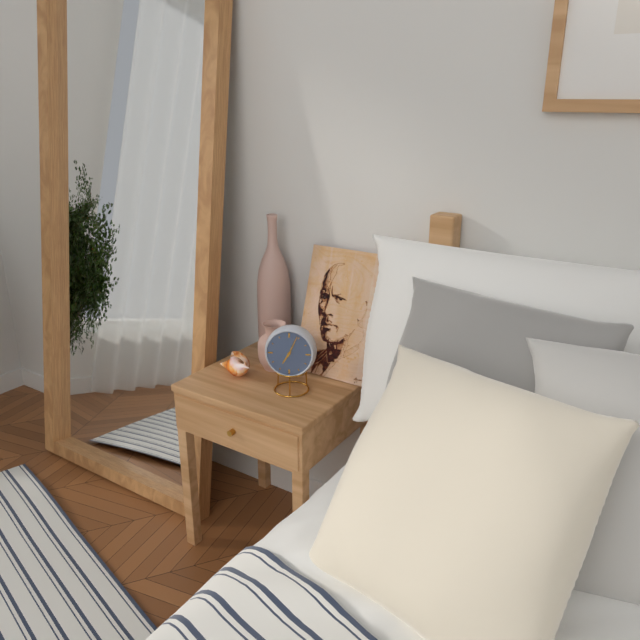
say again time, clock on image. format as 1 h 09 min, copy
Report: 7 h 04 min
